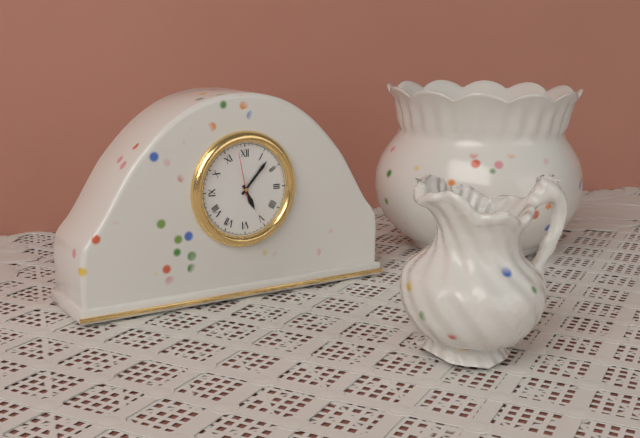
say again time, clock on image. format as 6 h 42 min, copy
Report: 5 h 07 min
